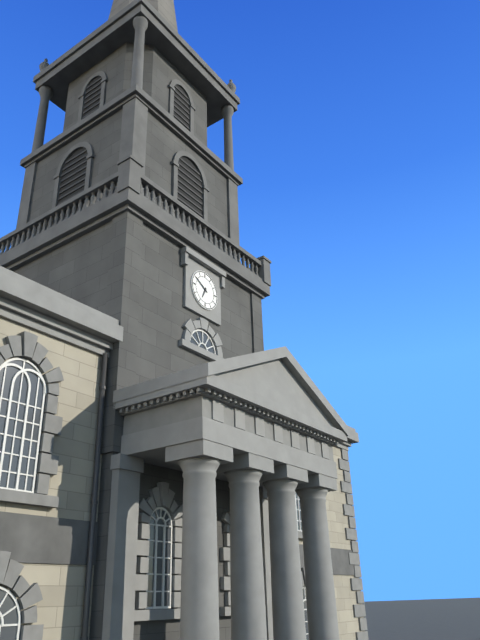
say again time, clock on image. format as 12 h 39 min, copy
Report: 6 h 50 min
